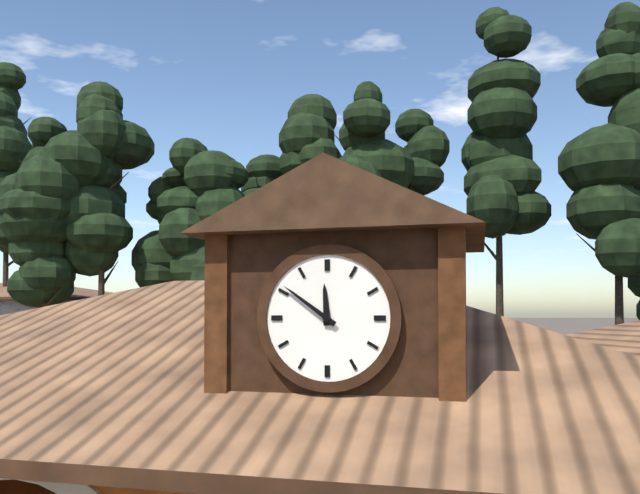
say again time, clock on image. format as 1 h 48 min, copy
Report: 11 h 51 min
